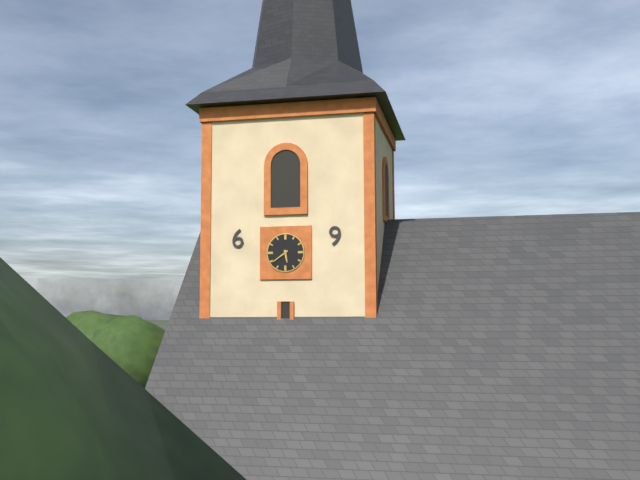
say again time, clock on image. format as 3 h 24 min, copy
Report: 5 h 39 min
